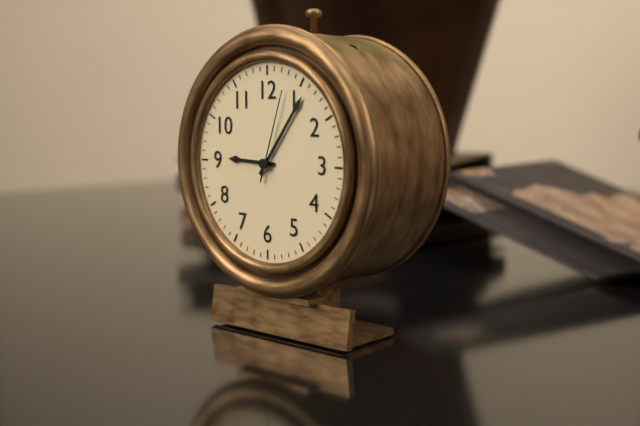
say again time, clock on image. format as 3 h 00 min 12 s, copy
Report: 9 h 06 min 03 s
